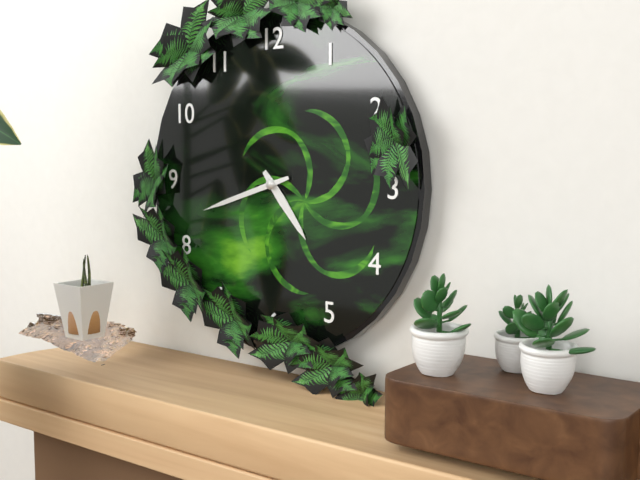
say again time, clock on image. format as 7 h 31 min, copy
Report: 4 h 42 min
